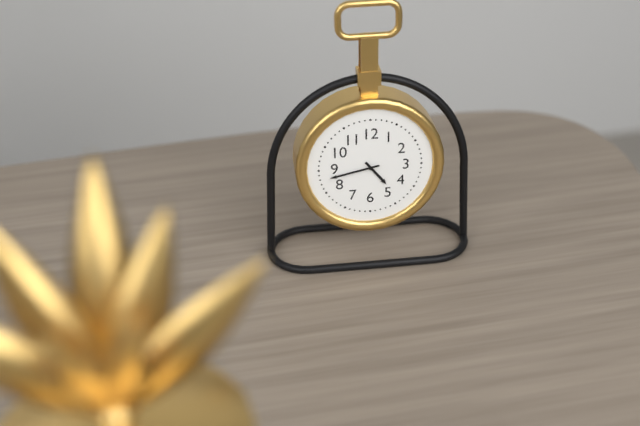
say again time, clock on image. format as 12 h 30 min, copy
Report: 4 h 43 min
